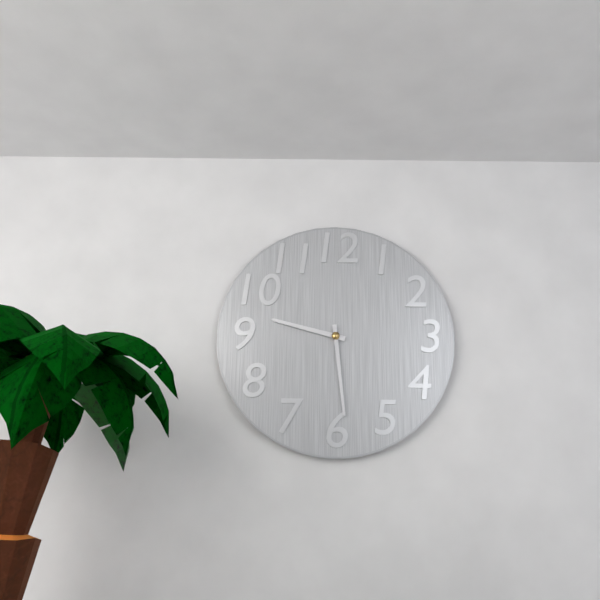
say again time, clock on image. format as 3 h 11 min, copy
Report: 9 h 29 min
